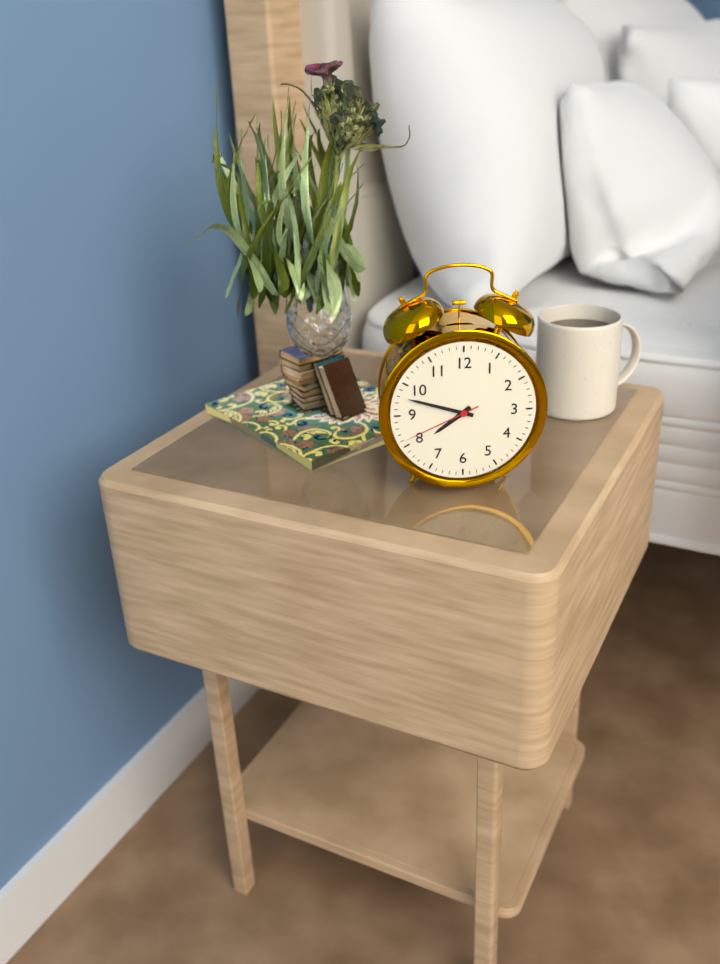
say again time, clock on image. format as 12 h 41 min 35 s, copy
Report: 7 h 48 min 41 s
